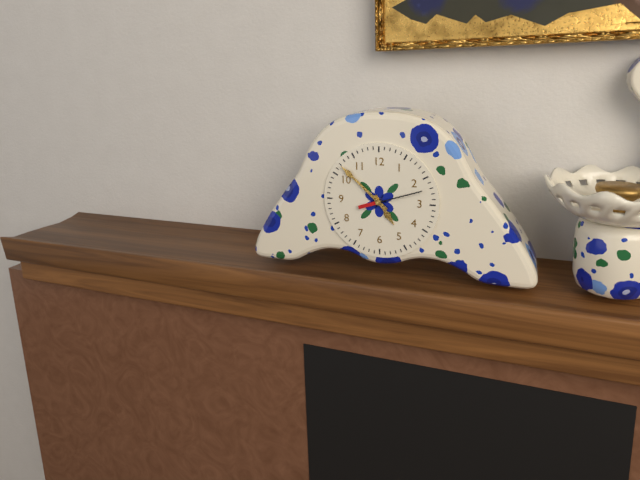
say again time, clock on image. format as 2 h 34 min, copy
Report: 4 h 52 min
